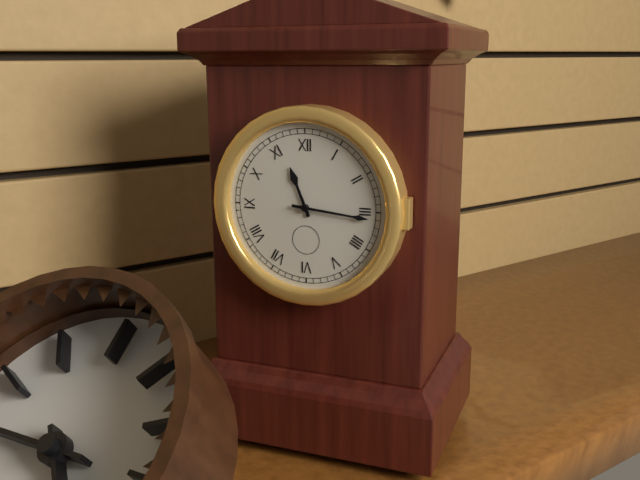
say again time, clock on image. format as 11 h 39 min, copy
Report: 11 h 16 min
